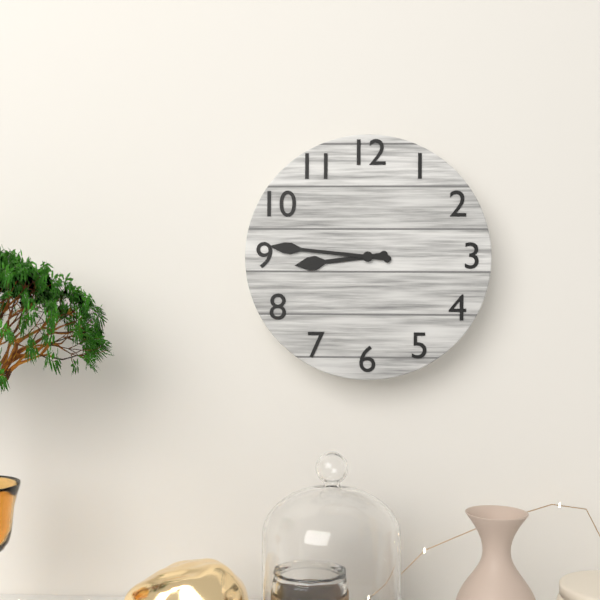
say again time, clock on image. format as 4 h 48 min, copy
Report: 8 h 46 min
